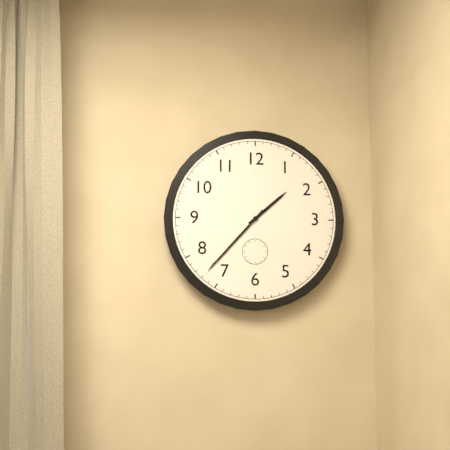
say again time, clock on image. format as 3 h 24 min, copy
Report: 1 h 37 min
